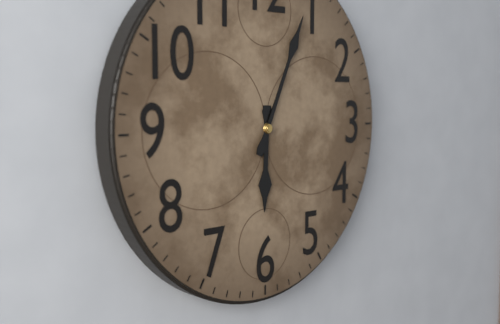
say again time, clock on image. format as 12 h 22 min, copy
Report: 6 h 04 min
